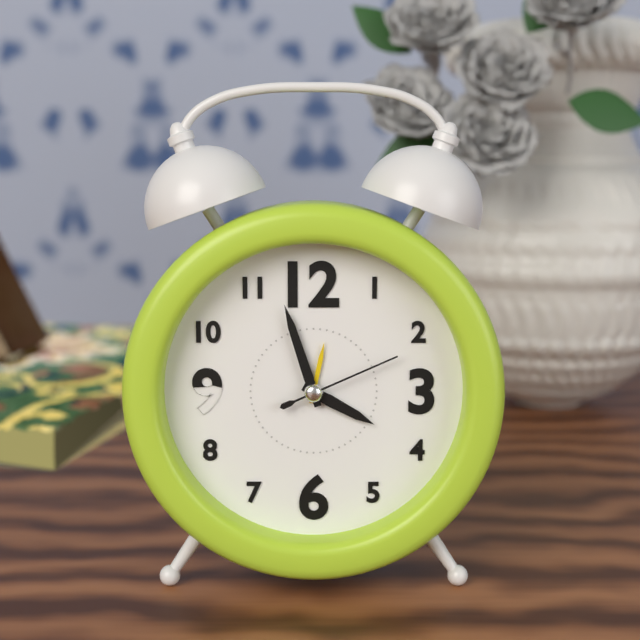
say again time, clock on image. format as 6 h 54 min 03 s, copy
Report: 3 h 57 min 11 s
